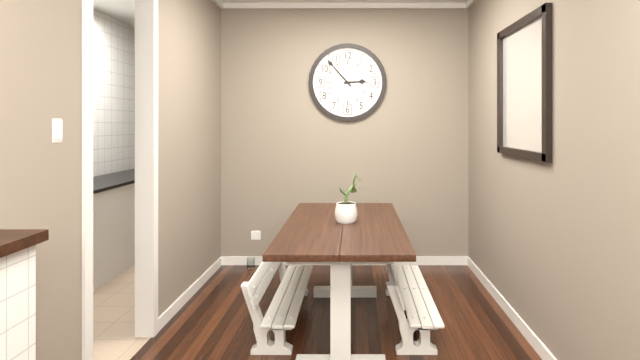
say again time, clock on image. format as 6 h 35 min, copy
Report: 2 h 53 min
